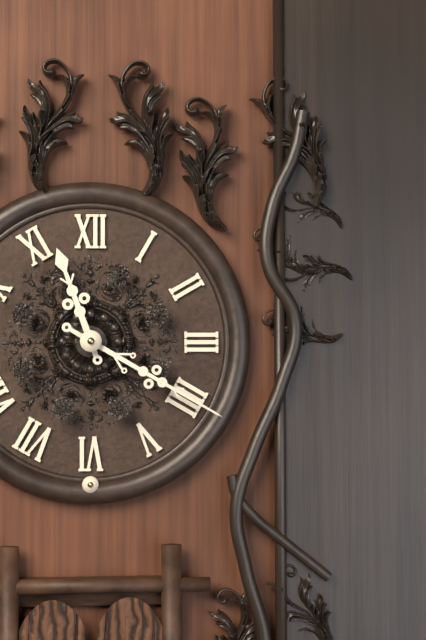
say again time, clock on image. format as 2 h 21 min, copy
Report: 11 h 20 min
